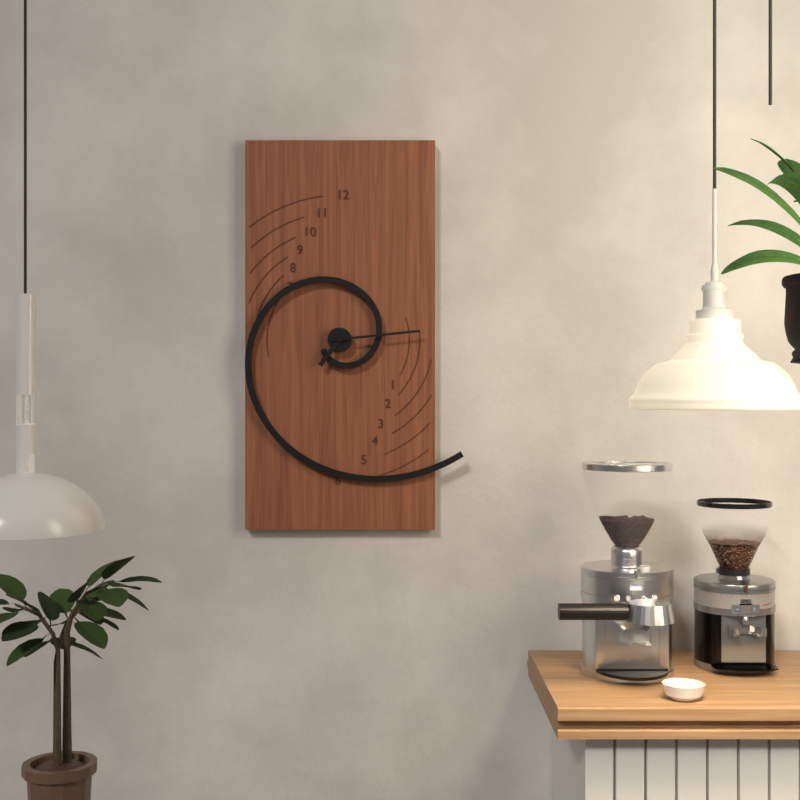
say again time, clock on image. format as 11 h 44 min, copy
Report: 7 h 14 min
